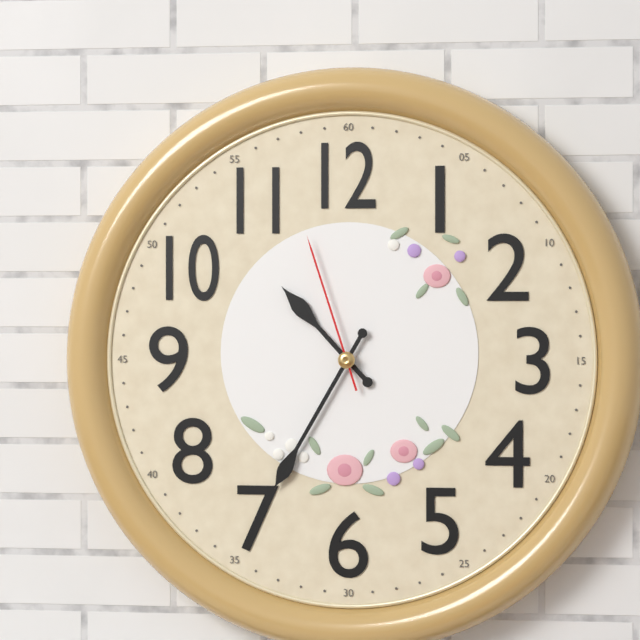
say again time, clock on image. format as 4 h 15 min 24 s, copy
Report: 10 h 35 min 57 s
